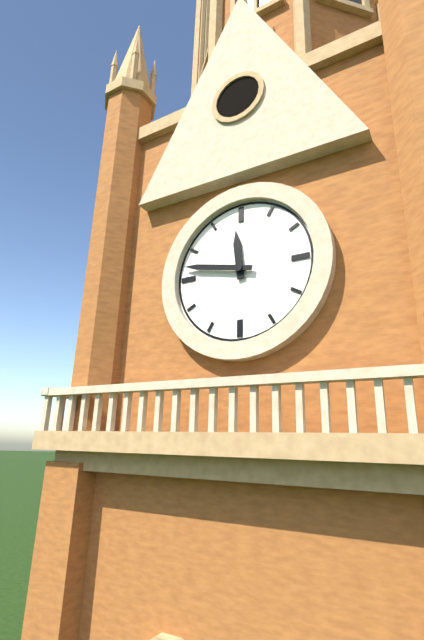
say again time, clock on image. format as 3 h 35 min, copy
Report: 11 h 47 min
